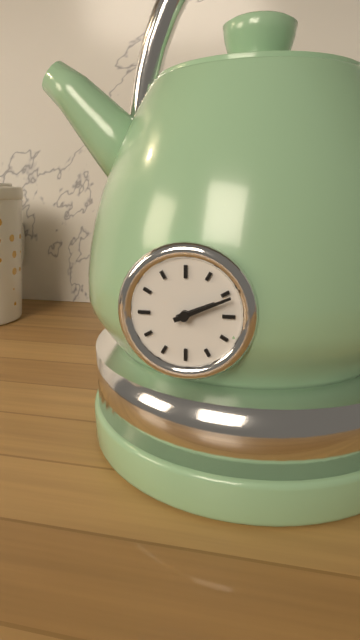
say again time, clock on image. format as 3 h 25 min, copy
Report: 2 h 11 min
